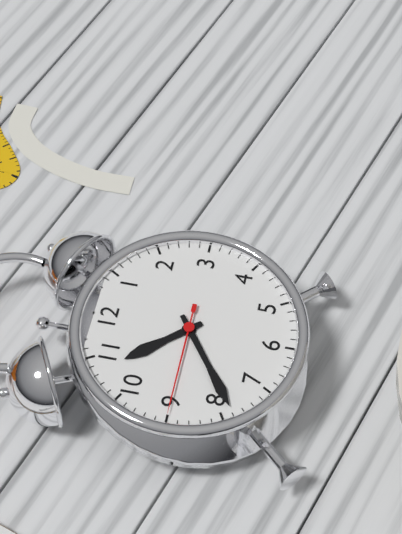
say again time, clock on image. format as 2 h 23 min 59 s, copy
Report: 10 h 39 min 45 s
